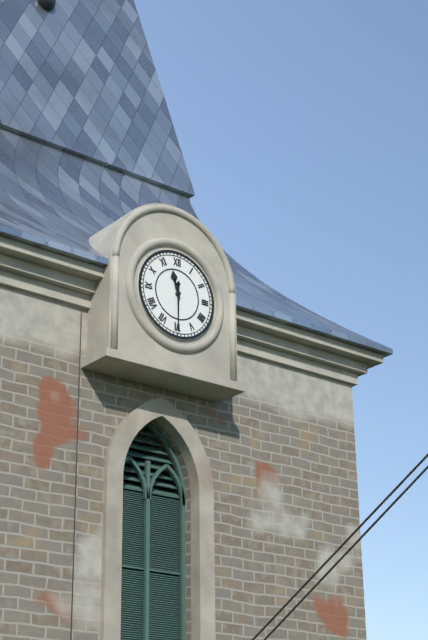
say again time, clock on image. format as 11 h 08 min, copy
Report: 11 h 30 min
